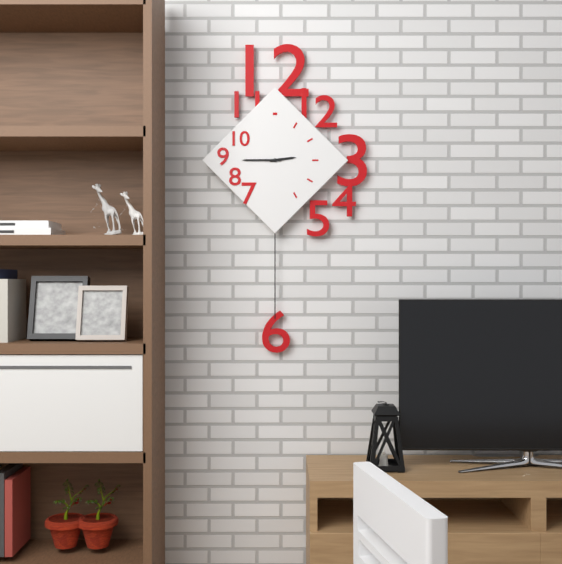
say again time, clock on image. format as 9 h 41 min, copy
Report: 2 h 45 min
